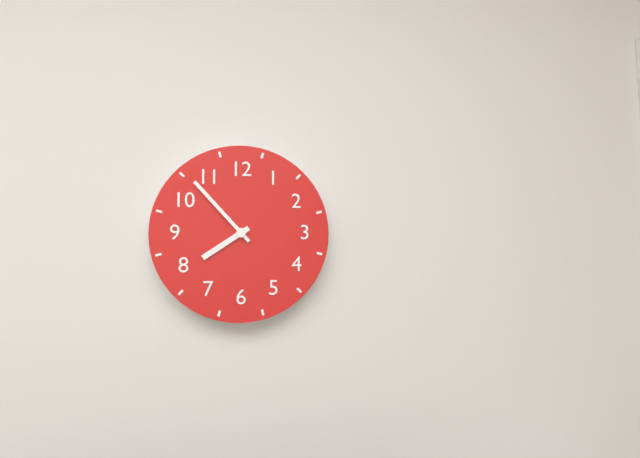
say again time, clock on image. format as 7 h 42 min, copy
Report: 7 h 53 min
